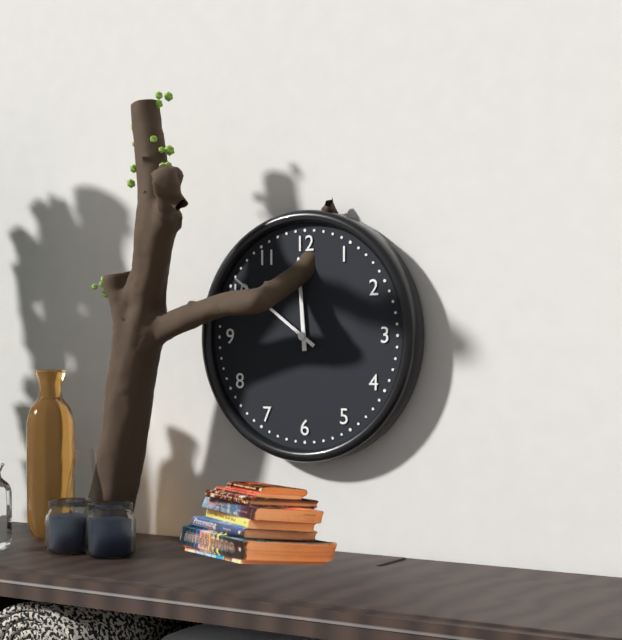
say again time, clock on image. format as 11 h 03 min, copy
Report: 11 h 51 min
